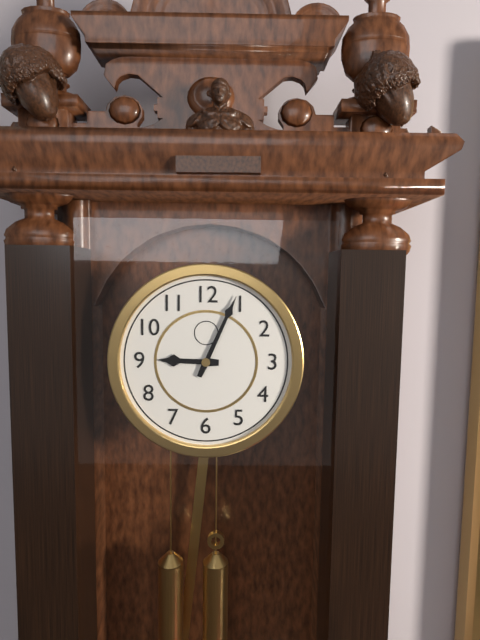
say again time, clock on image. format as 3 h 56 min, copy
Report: 9 h 04 min
